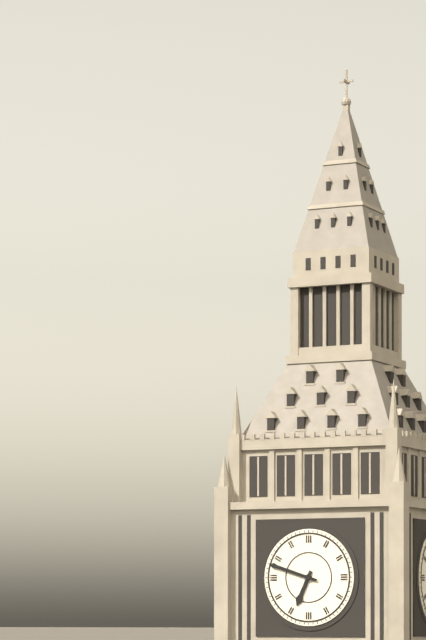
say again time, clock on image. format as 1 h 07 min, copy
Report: 6 h 48 min
